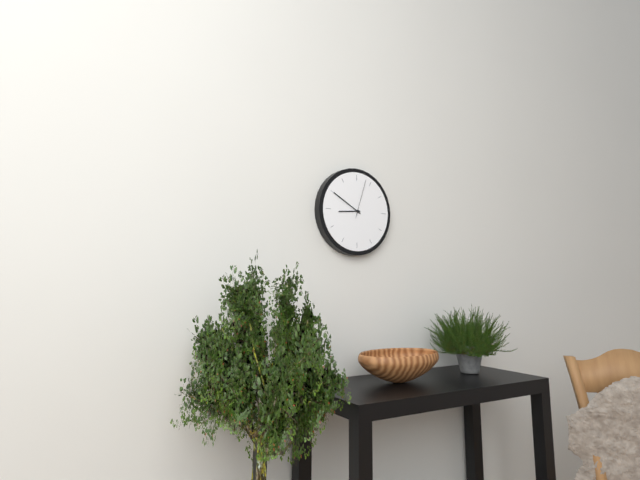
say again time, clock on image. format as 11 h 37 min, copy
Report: 8 h 50 min
